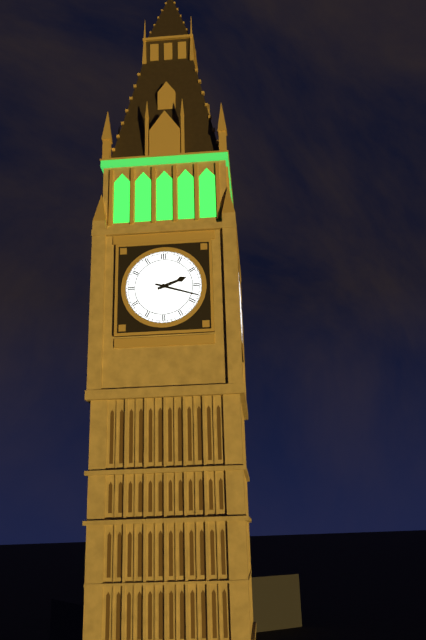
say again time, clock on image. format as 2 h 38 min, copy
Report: 2 h 18 min
